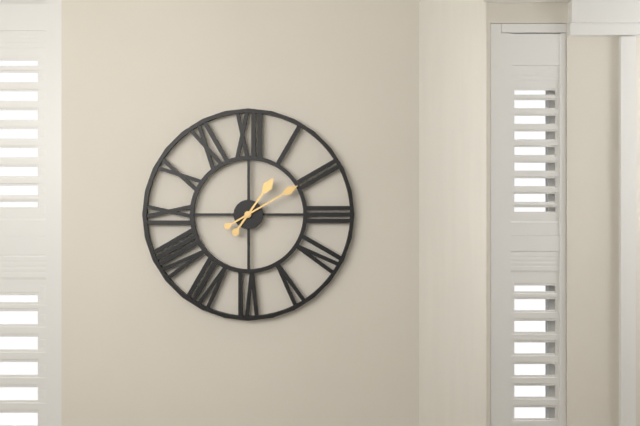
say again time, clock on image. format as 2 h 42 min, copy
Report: 1 h 10 min
